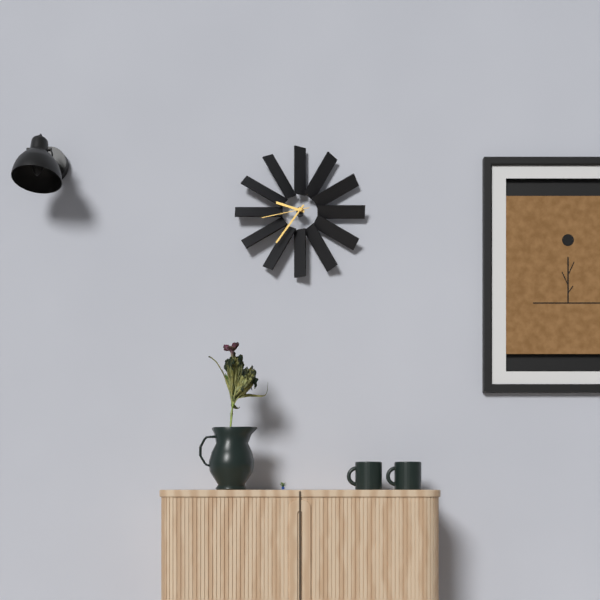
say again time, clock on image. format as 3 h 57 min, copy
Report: 9 h 36 min
